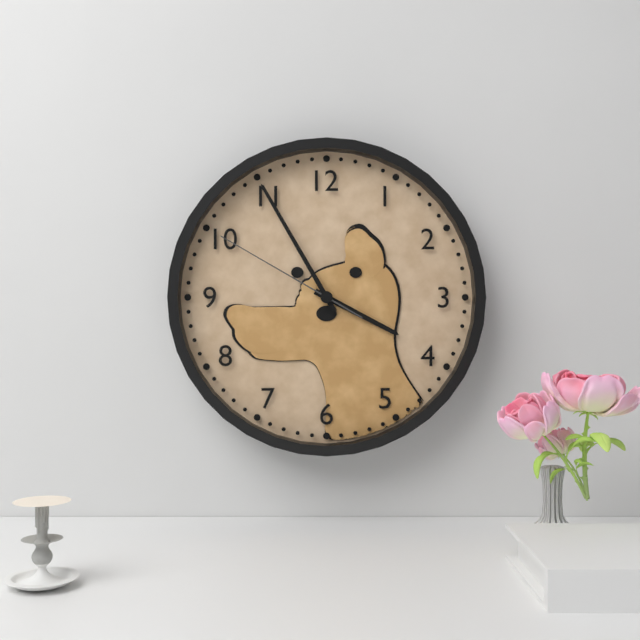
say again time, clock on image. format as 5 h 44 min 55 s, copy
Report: 3 h 55 min 50 s
